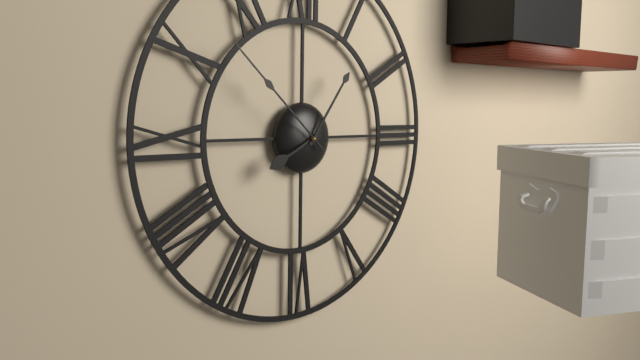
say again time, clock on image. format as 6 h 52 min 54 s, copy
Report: 8 h 06 min 52 s
